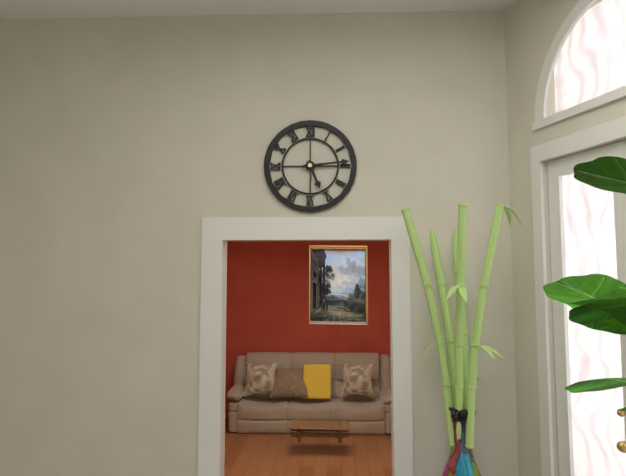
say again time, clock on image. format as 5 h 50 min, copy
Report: 5 h 14 min
